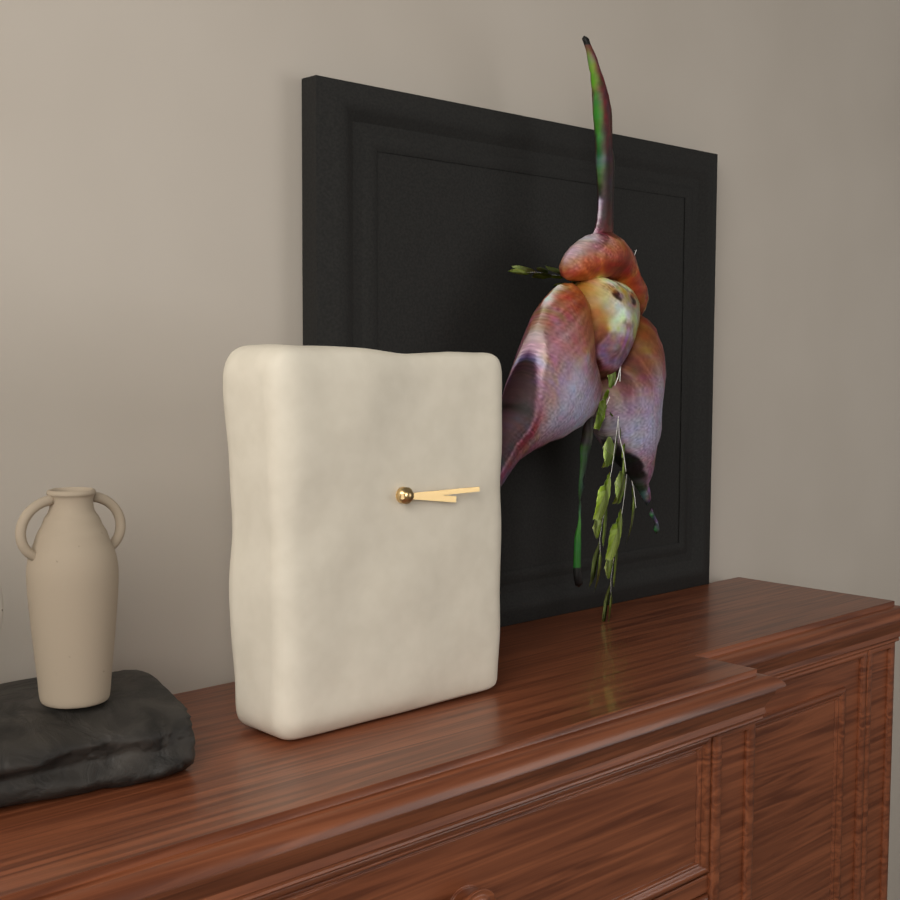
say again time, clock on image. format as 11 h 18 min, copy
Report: 3 h 15 min
